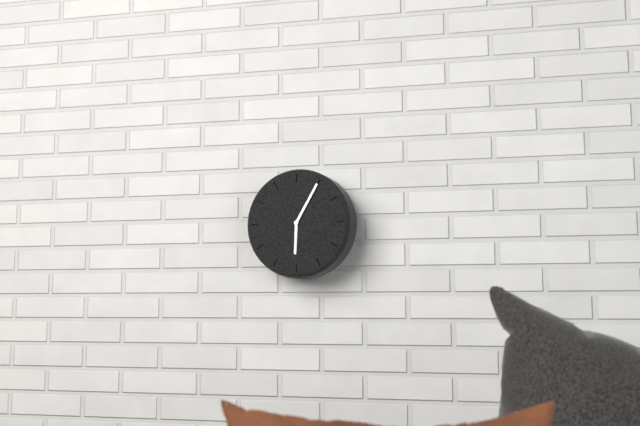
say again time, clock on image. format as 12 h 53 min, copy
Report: 6 h 05 min
